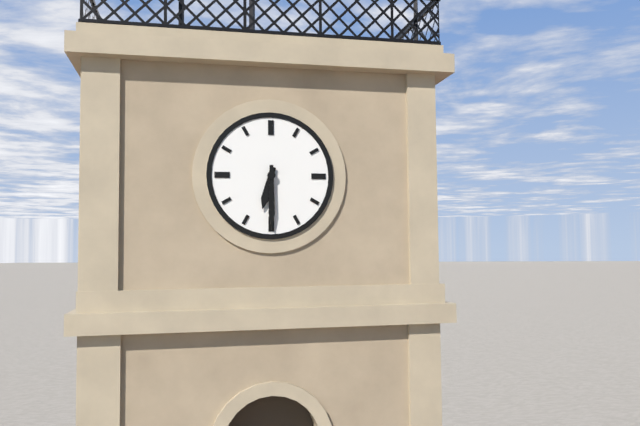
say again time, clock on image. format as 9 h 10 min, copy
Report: 6 h 30 min
